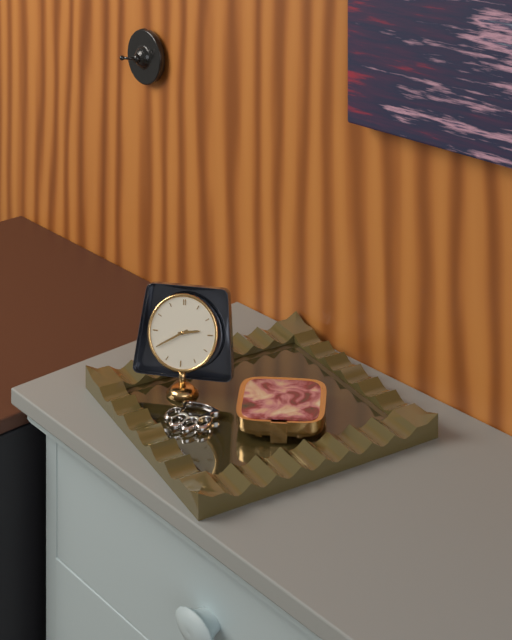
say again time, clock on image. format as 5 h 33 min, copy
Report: 2 h 40 min
